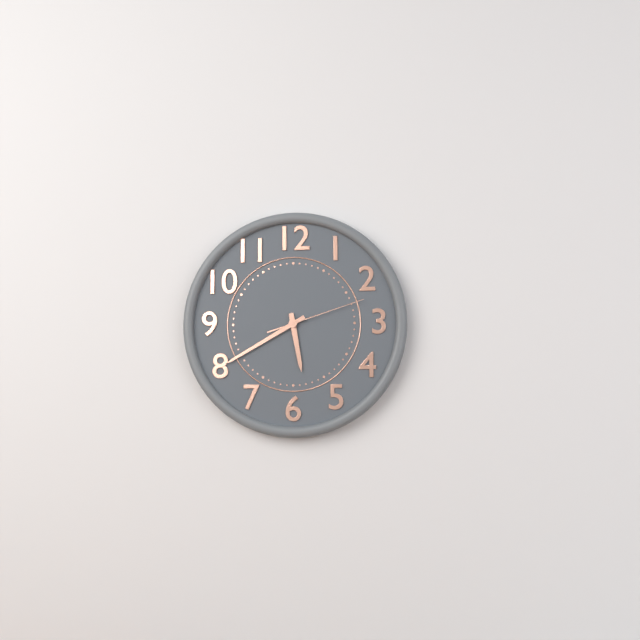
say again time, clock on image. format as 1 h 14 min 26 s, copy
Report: 5 h 40 min 12 s
